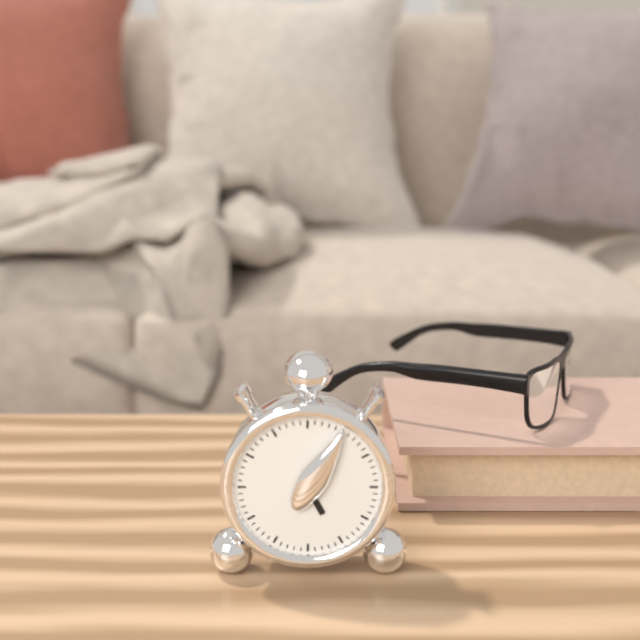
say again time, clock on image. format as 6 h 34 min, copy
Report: 5 h 05 min
